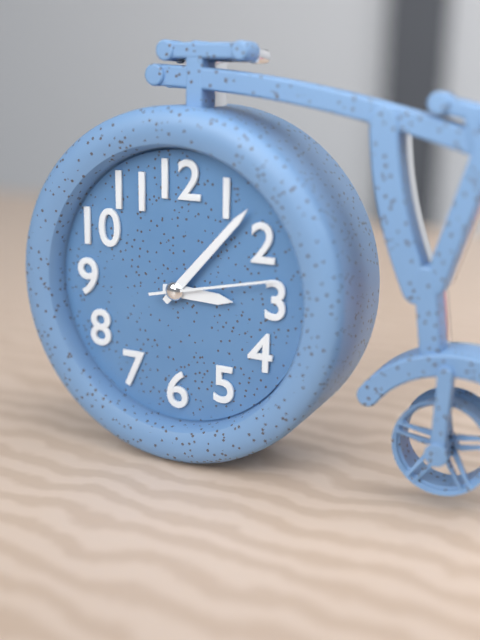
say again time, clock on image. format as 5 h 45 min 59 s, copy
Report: 3 h 07 min 13 s
